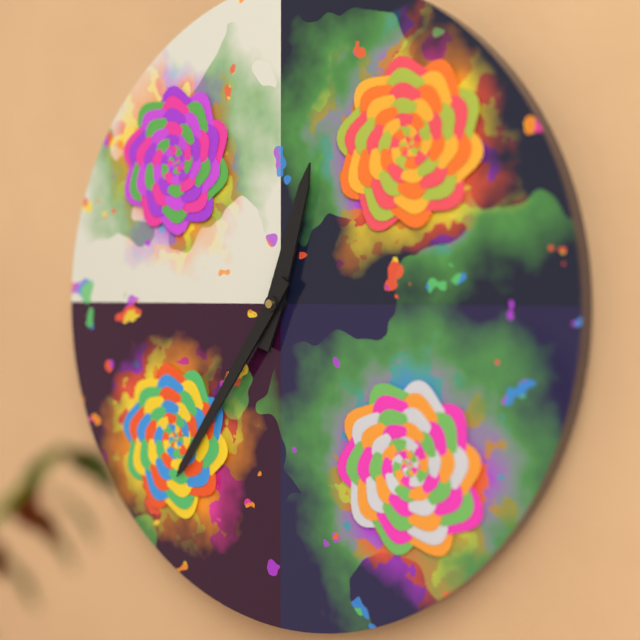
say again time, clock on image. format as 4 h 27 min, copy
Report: 12 h 36 min
